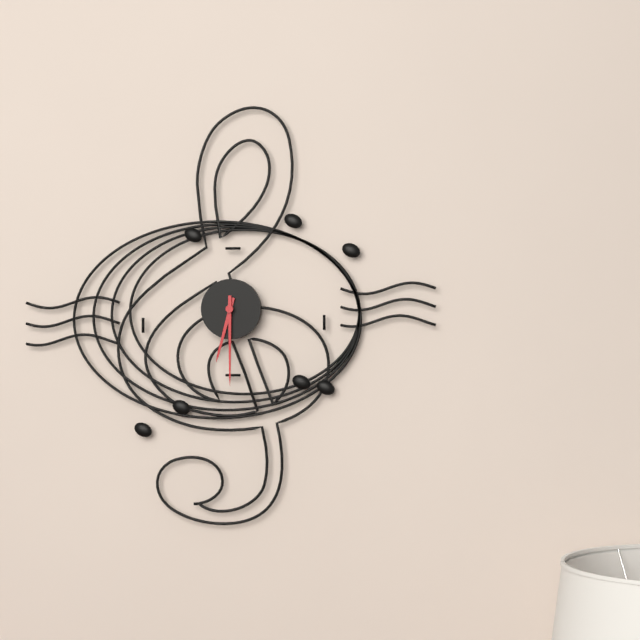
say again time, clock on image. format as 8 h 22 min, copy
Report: 6 h 30 min
